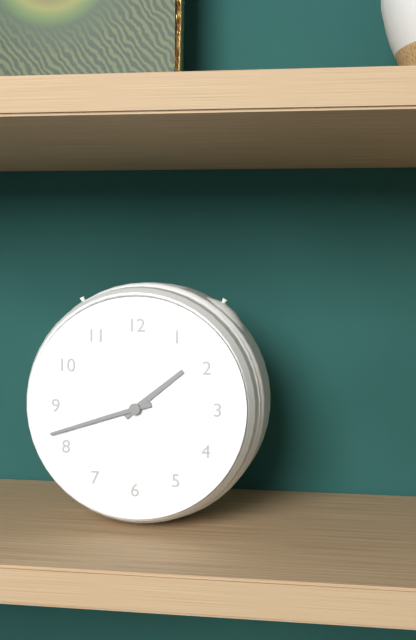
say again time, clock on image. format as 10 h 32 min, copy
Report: 1 h 42 min
